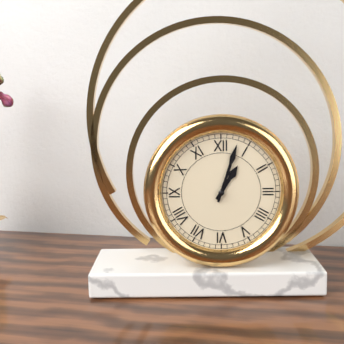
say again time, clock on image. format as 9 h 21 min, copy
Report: 1 h 03 min
